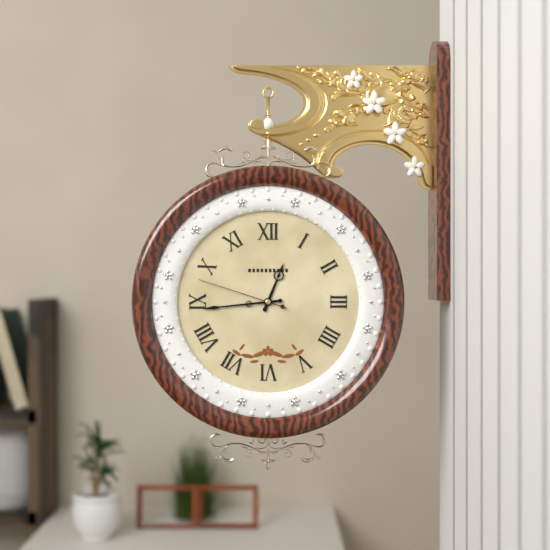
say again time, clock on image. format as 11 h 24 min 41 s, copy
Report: 12 h 44 min 48 s
